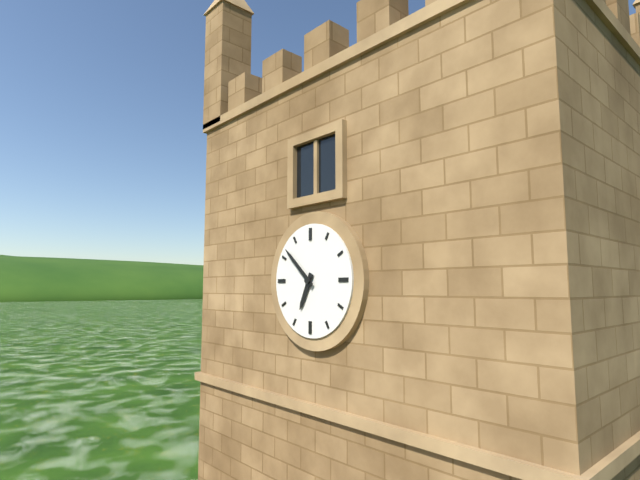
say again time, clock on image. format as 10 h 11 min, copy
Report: 6 h 52 min
